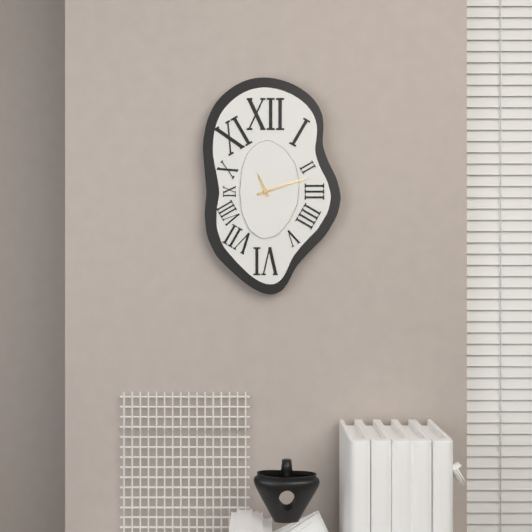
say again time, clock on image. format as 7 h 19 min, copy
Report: 11 h 12 min
